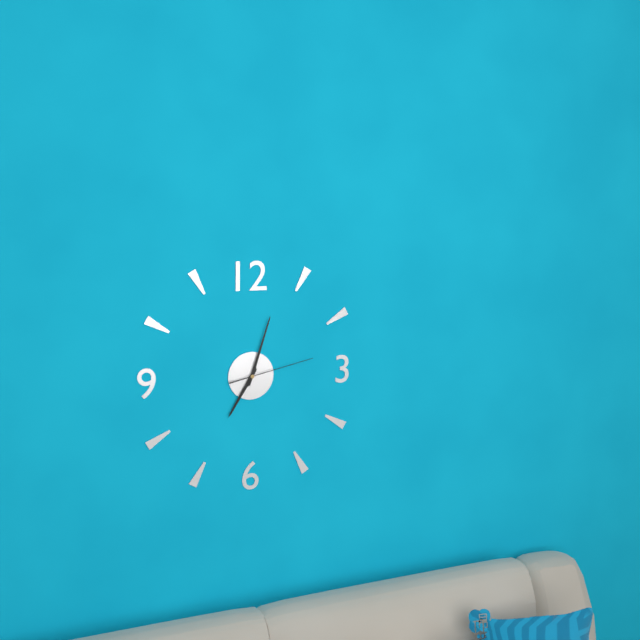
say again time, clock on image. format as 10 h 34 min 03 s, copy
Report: 7 h 03 min 13 s
